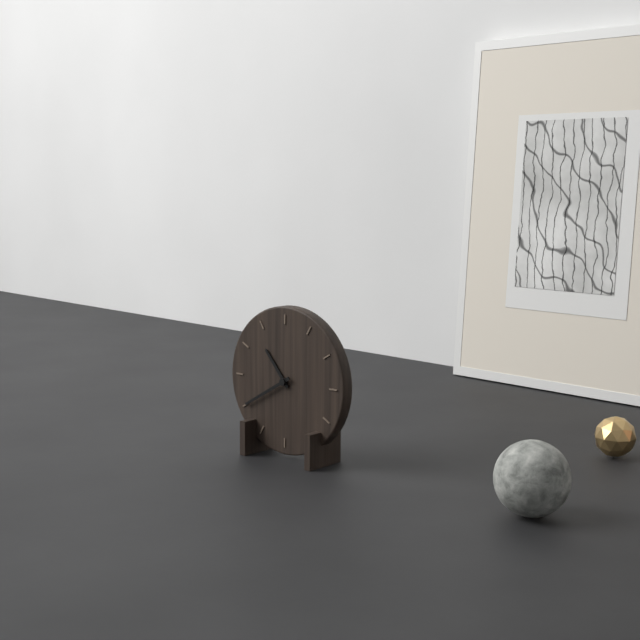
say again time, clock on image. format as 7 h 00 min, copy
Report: 10 h 40 min
